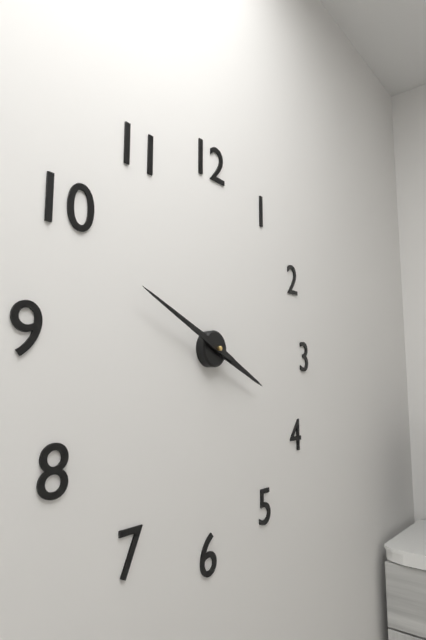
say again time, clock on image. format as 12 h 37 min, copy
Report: 3 h 49 min
